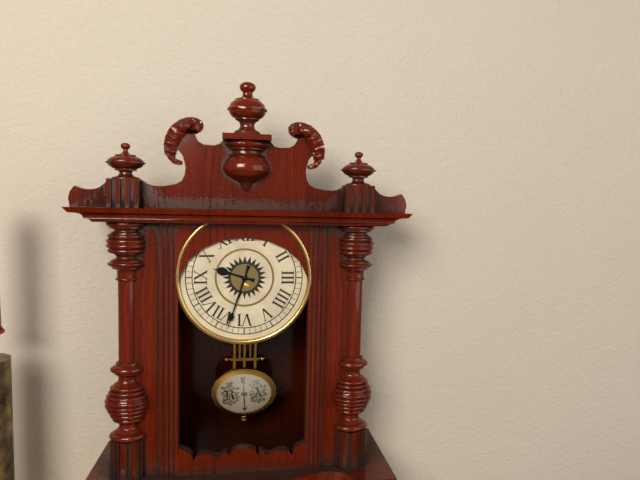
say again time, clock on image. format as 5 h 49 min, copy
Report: 9 h 33 min
